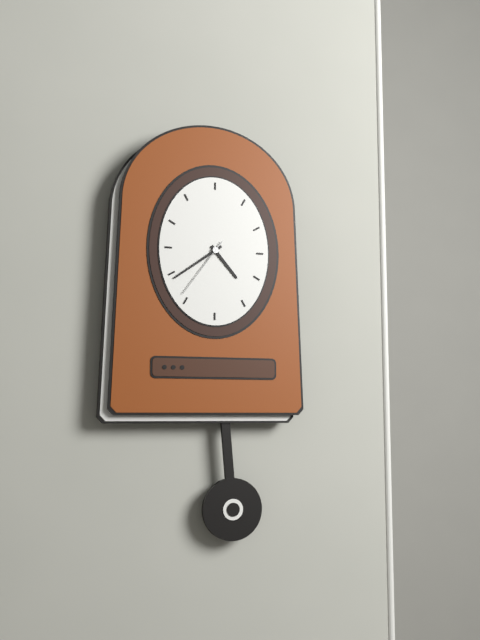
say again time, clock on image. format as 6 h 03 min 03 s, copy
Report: 4 h 39 min 36 s
